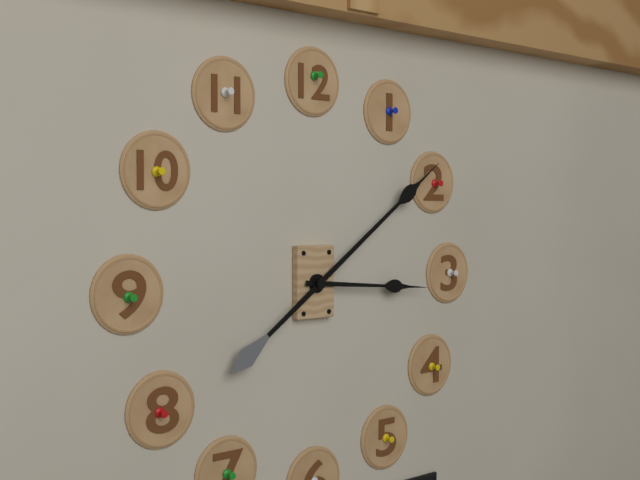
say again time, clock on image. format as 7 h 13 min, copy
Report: 3 h 09 min
